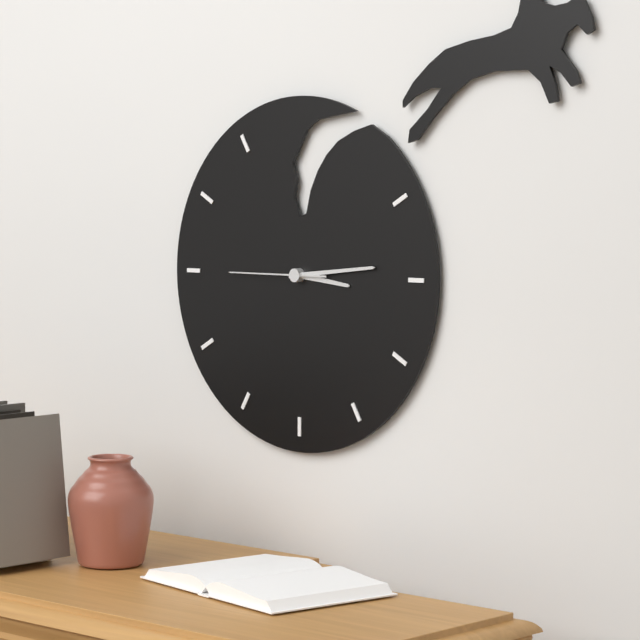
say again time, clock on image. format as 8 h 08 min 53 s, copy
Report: 3 h 14 min 45 s
